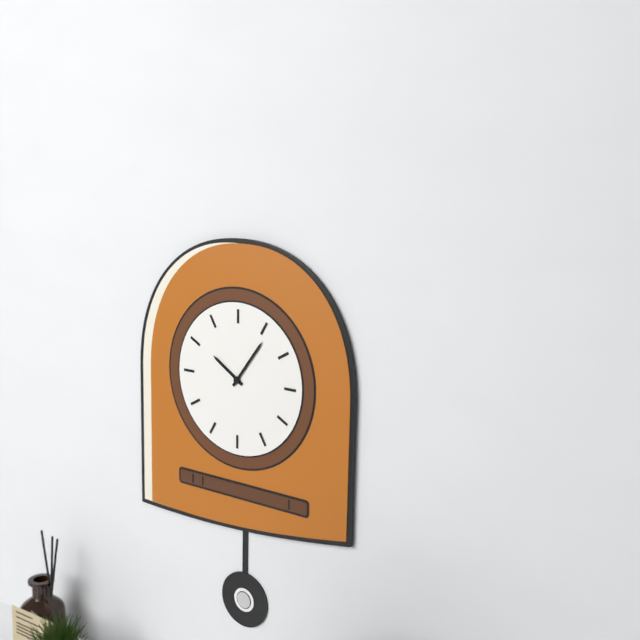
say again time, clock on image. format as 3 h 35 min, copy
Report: 10 h 06 min
